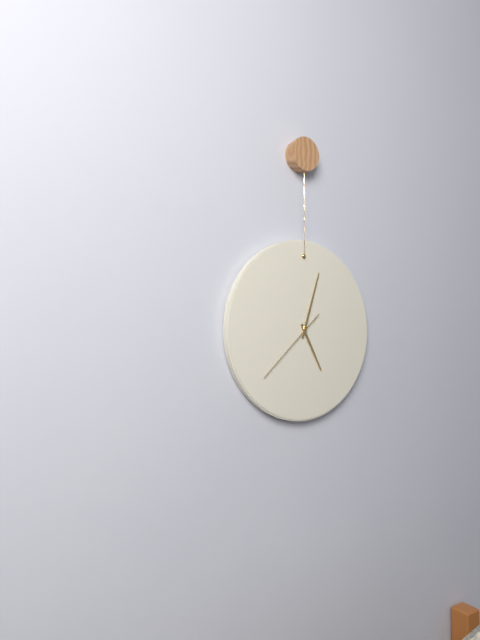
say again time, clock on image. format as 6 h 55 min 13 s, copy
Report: 5 h 03 min 38 s
